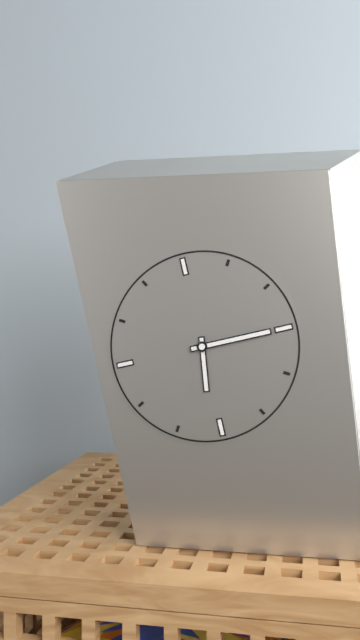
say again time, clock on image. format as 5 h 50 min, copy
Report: 6 h 15 min
